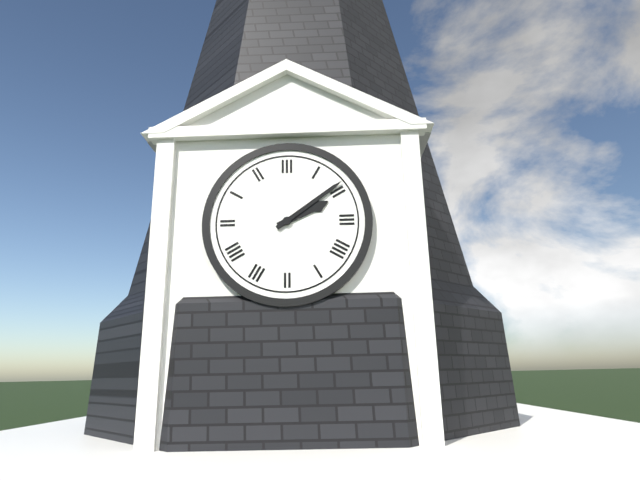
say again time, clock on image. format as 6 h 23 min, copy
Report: 2 h 09 min
